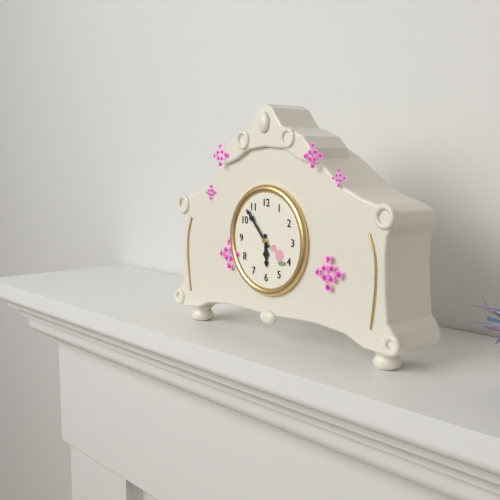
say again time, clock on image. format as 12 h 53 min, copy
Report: 5 h 53 min
